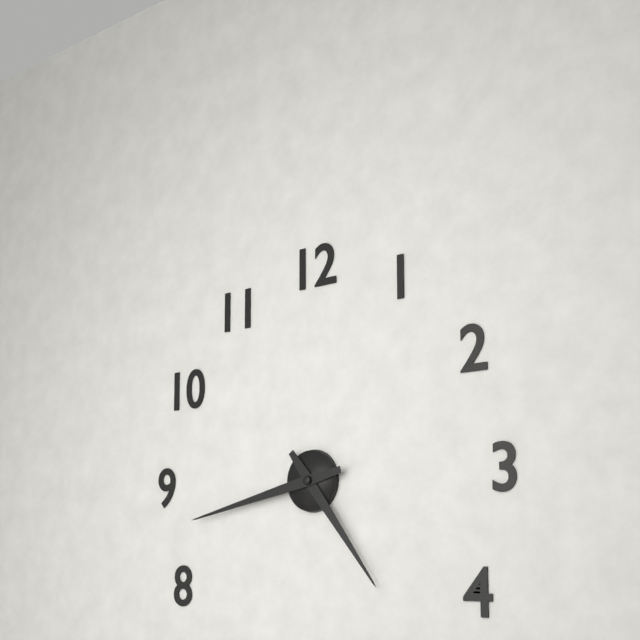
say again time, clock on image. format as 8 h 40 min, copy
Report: 4 h 43 min
